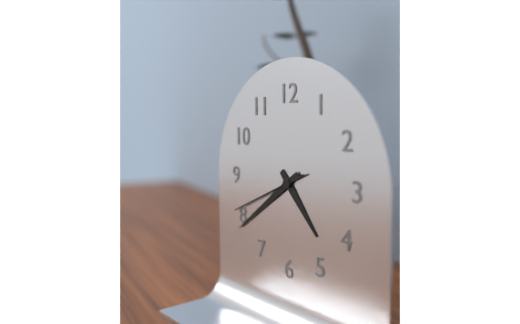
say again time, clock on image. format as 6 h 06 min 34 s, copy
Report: 4 h 39 min 41 s
